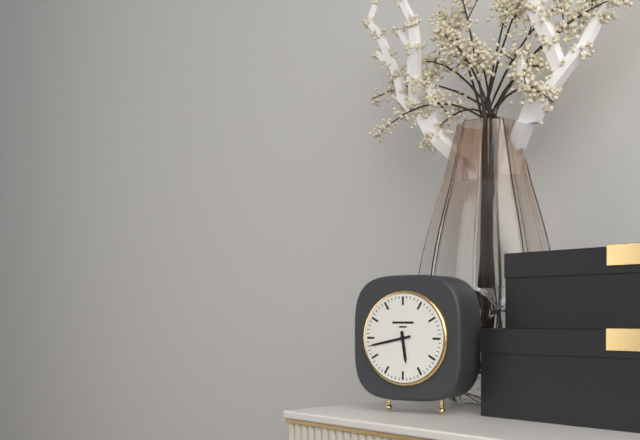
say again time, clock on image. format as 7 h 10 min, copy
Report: 5 h 43 min
